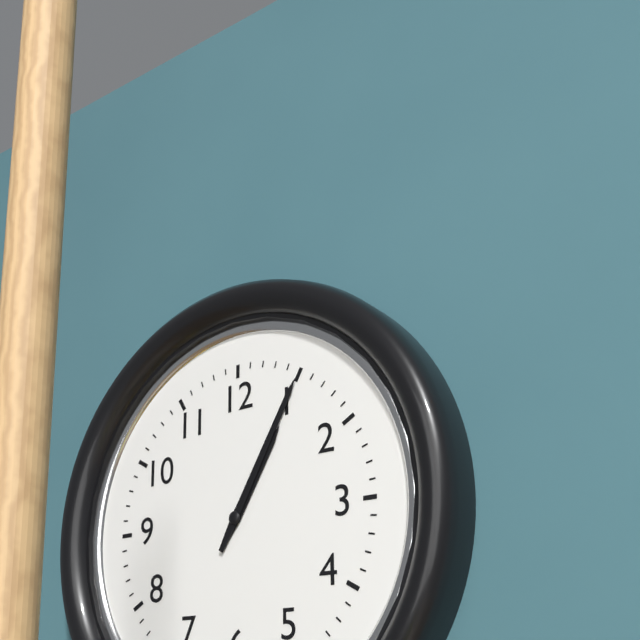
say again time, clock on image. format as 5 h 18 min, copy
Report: 1 h 05 min
